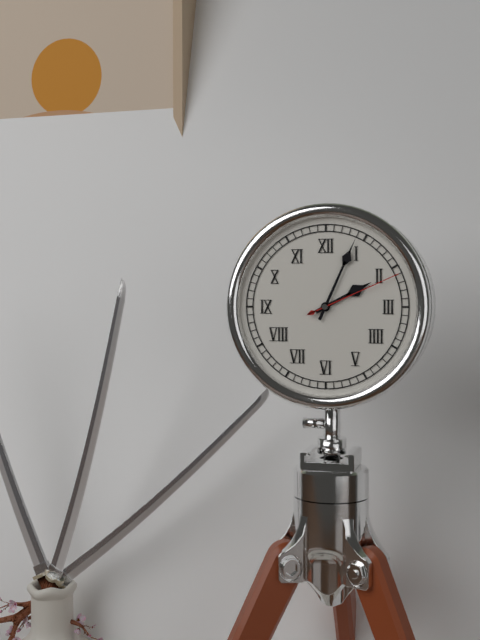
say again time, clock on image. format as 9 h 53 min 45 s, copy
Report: 2 h 04 min 11 s
